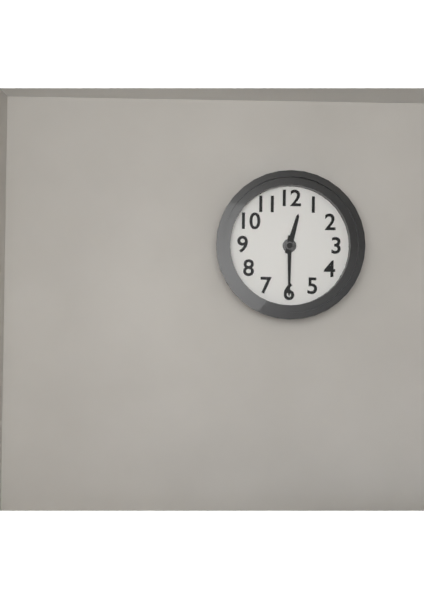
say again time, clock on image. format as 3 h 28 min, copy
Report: 12 h 30 min
